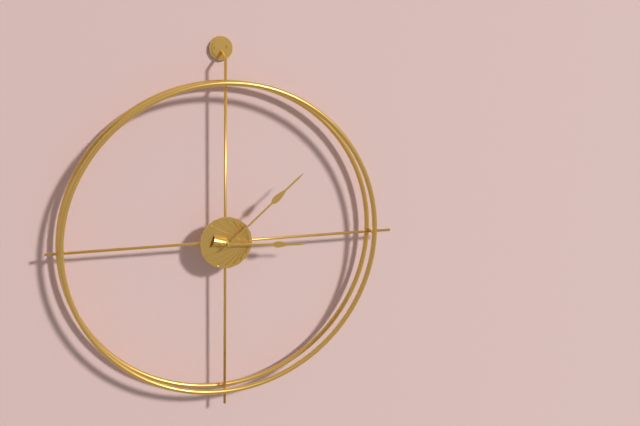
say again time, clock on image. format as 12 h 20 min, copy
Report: 3 h 08 min
